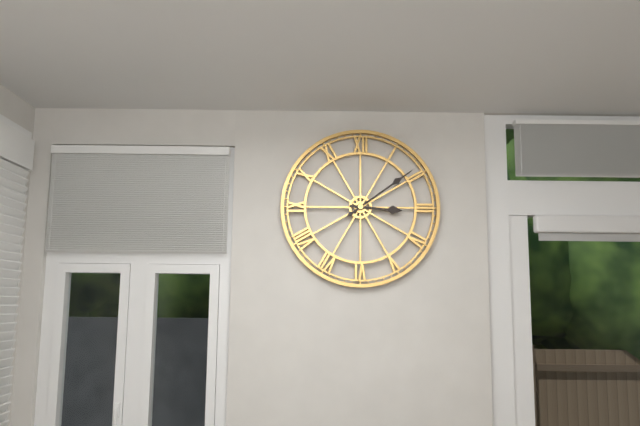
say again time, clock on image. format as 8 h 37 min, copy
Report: 3 h 09 min
